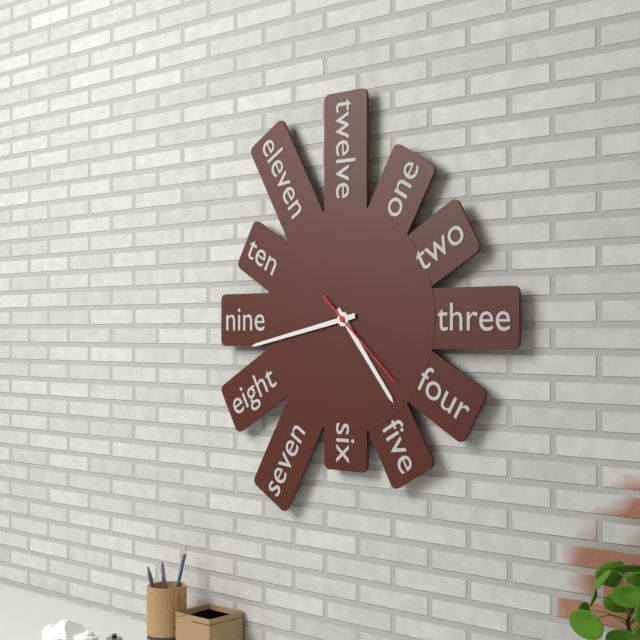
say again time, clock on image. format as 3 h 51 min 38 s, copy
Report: 4 h 43 min 22 s
